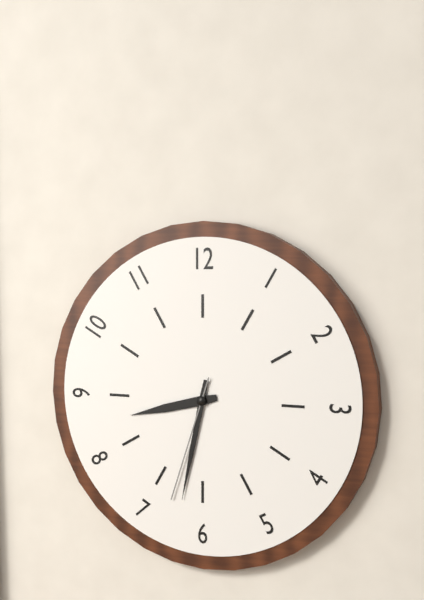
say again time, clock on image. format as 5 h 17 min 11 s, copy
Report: 8 h 32 min 33 s
